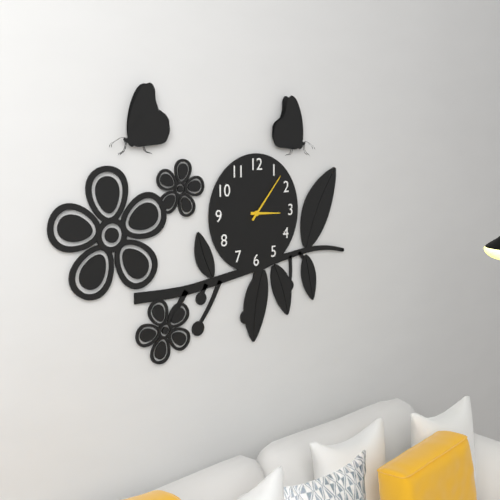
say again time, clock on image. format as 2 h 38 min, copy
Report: 3 h 07 min
